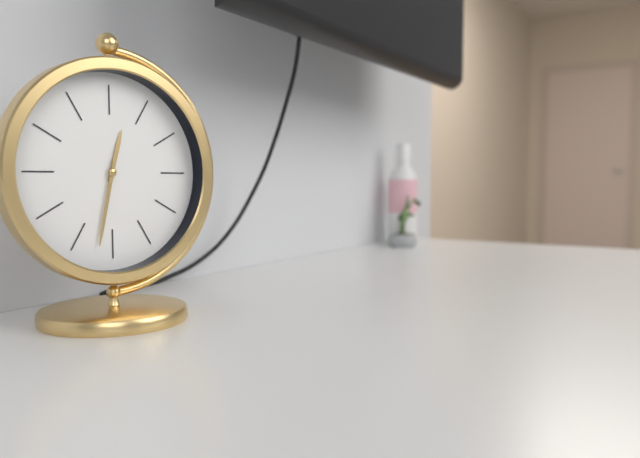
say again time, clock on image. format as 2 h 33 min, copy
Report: 12 h 32 min
